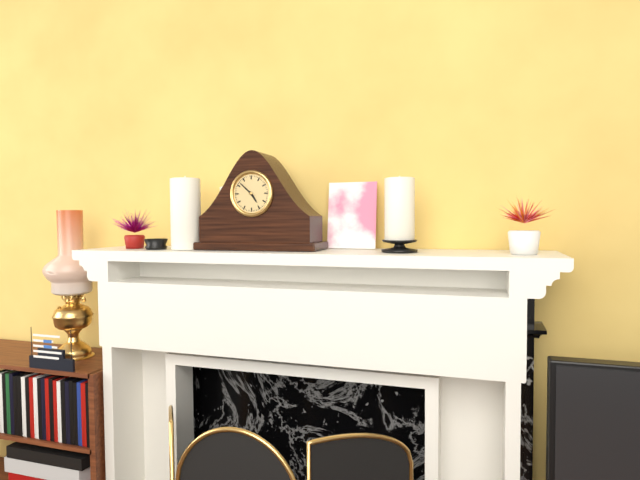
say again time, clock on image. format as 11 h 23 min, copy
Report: 4 h 52 min
